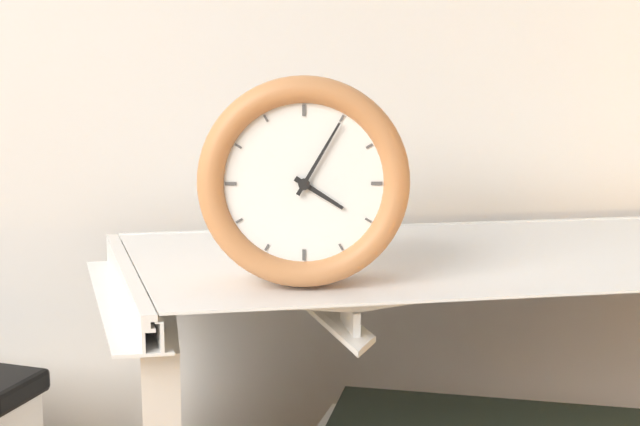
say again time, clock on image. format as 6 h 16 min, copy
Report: 4 h 05 min
